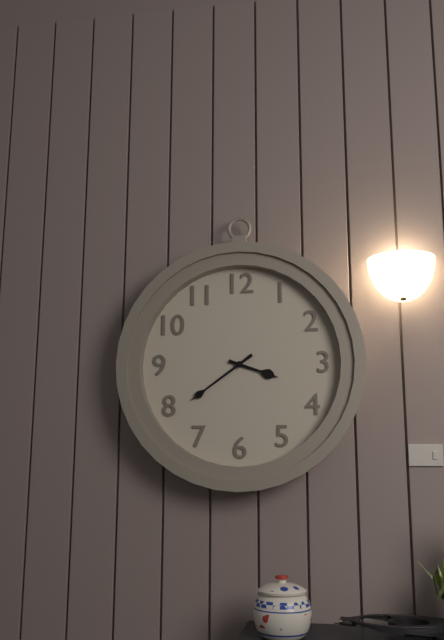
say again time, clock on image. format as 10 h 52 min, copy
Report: 3 h 39 min
